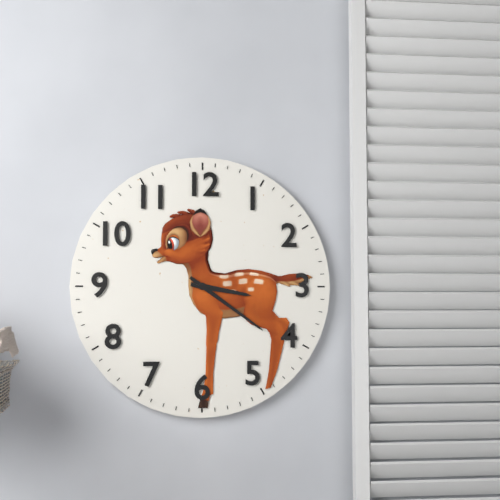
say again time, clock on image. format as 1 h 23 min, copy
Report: 3 h 21 min
